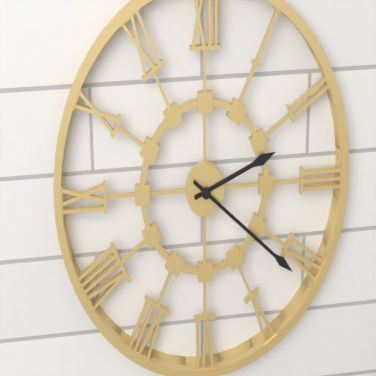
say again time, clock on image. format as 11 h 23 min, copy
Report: 2 h 21 min
